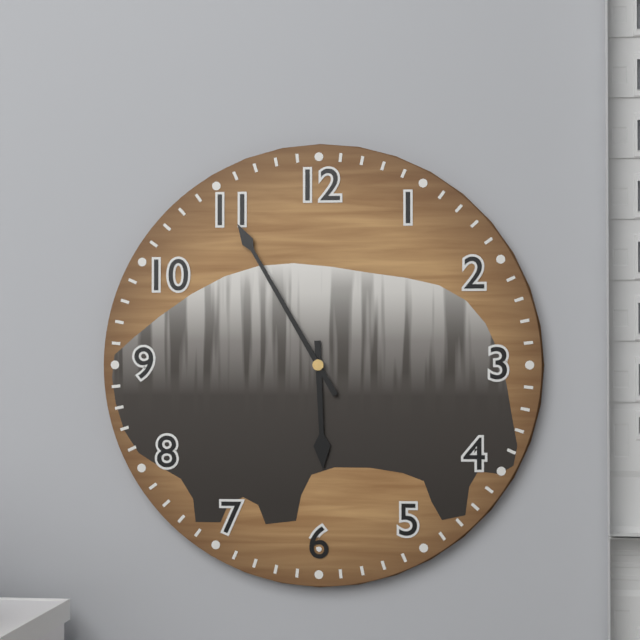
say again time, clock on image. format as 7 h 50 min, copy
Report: 5 h 55 min
